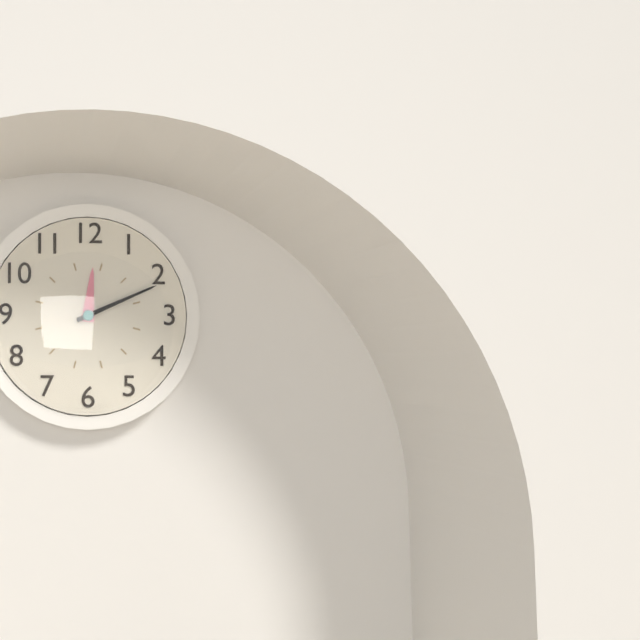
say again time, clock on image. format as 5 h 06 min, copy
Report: 12 h 11 min
